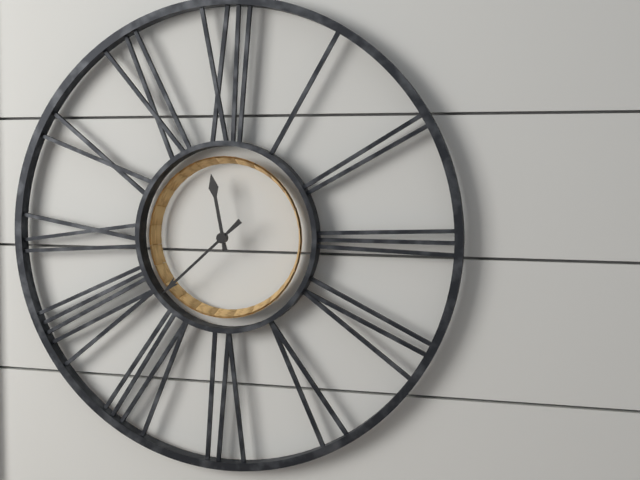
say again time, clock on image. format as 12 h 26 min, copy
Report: 11 h 38 min
